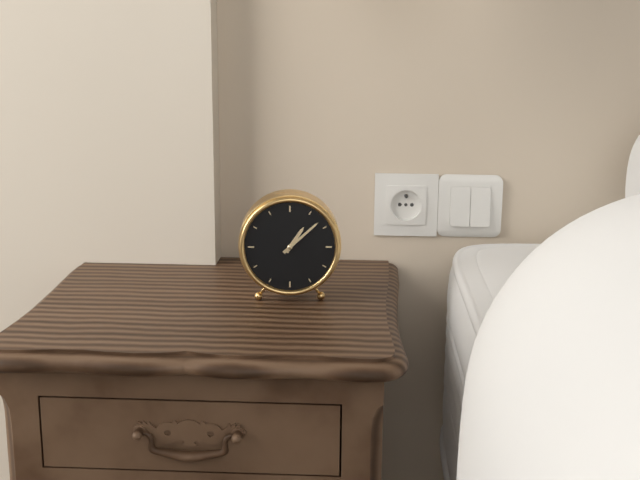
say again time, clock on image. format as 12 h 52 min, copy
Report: 1 h 08 min
